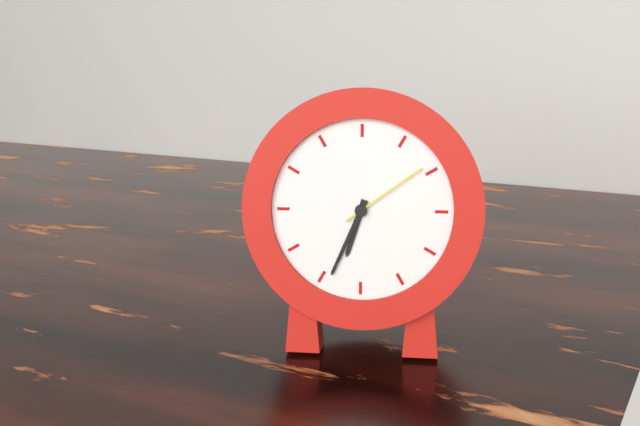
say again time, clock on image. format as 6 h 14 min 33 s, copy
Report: 6 h 34 min 09 s
